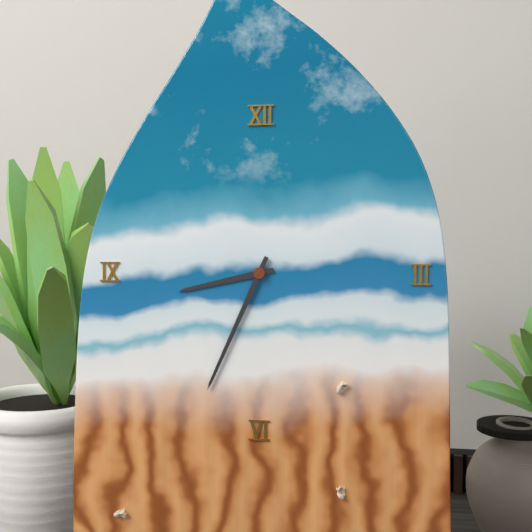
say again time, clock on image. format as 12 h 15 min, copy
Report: 8 h 34 min
